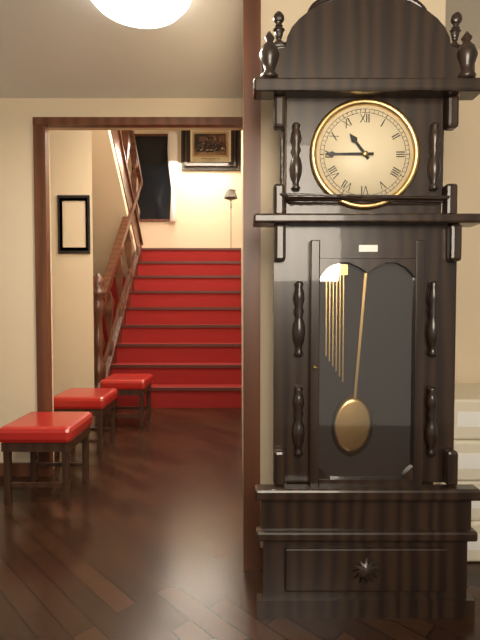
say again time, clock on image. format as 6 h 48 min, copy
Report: 10 h 45 min
